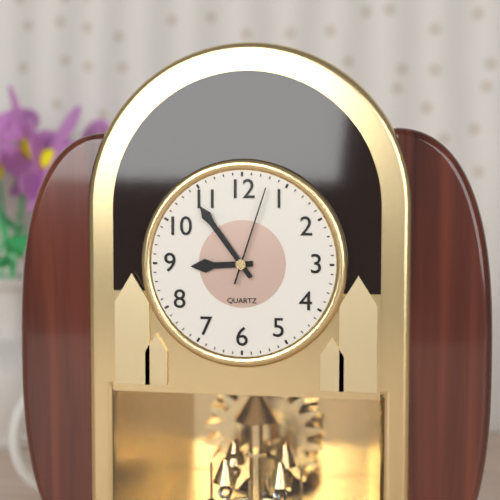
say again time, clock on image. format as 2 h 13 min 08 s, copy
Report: 8 h 54 min 03 s
